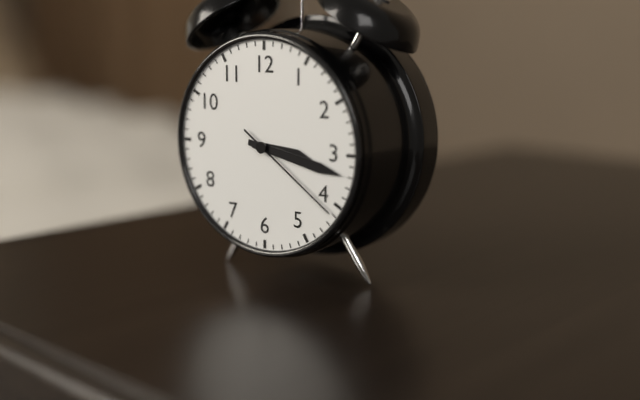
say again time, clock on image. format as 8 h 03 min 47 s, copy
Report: 3 h 17 min 21 s
